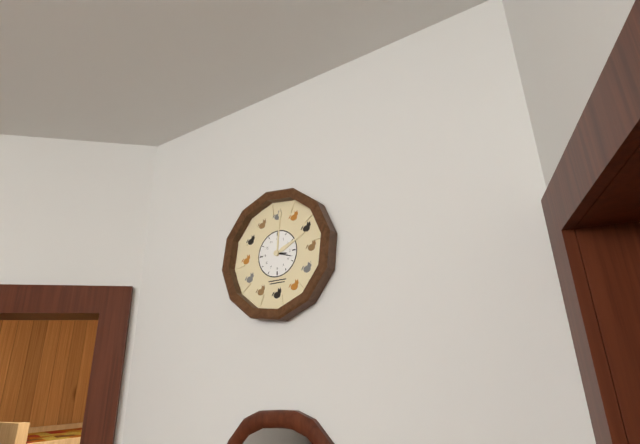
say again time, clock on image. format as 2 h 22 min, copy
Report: 3 h 18 min
